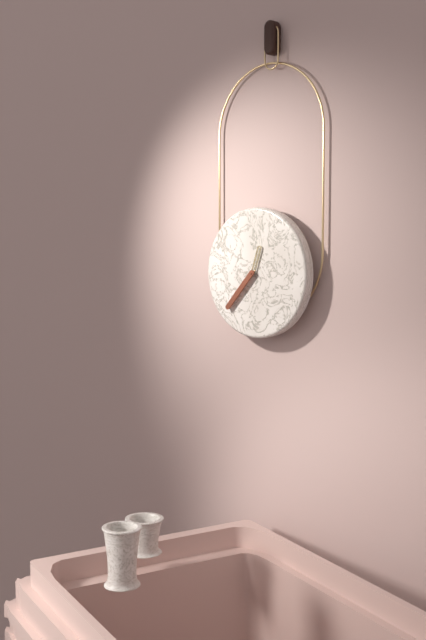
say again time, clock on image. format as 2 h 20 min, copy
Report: 12 h 37 min
